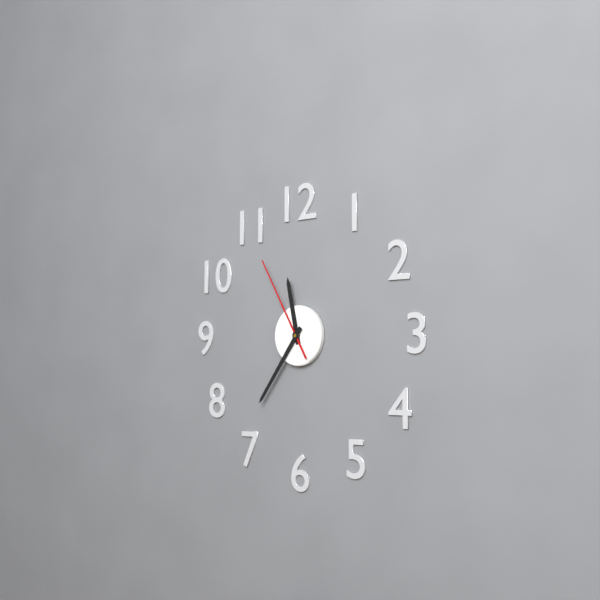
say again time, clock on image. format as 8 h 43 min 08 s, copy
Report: 11 h 36 min 55 s
